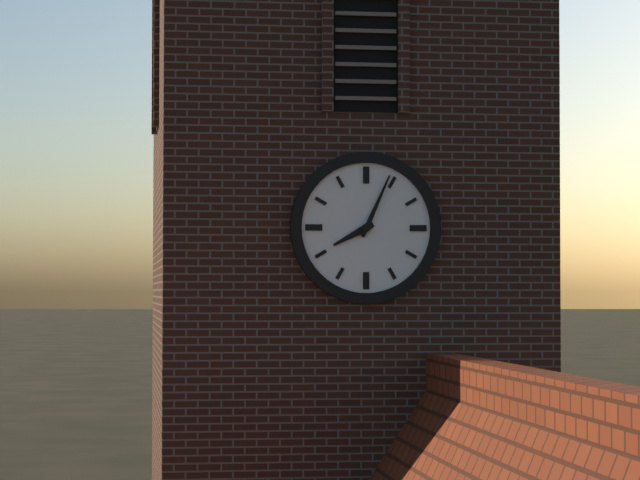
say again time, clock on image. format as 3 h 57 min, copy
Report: 8 h 04 min
